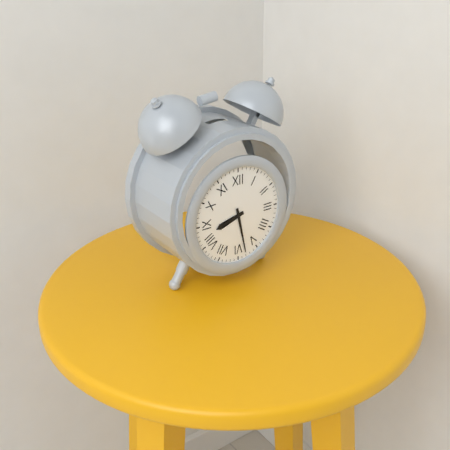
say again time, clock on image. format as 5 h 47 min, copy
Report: 8 h 28 min
